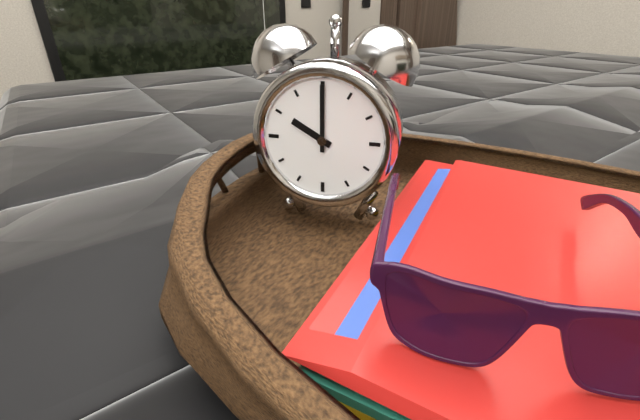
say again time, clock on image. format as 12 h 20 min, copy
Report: 10 h 00 min
